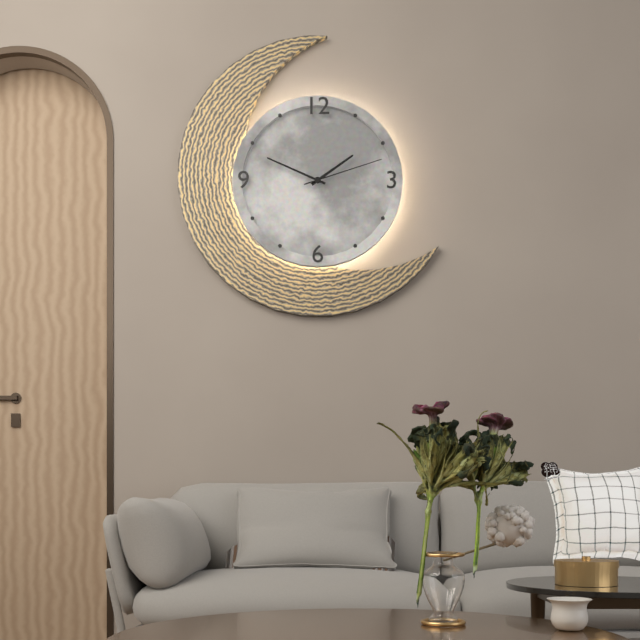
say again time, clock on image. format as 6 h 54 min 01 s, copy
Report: 1 h 49 min 12 s
